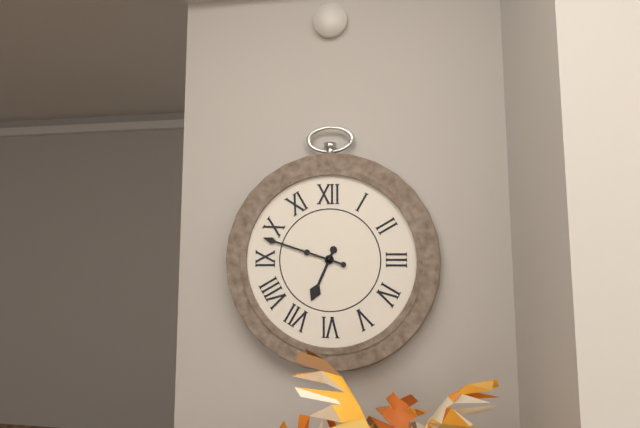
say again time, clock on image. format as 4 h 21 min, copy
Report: 6 h 48 min
